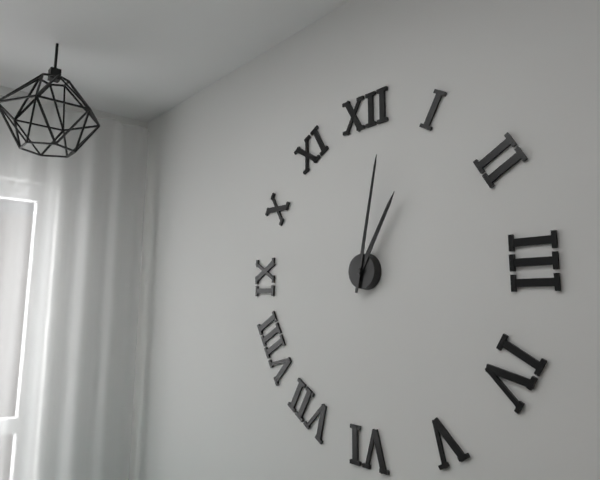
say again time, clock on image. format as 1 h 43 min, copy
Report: 1 h 02 min
